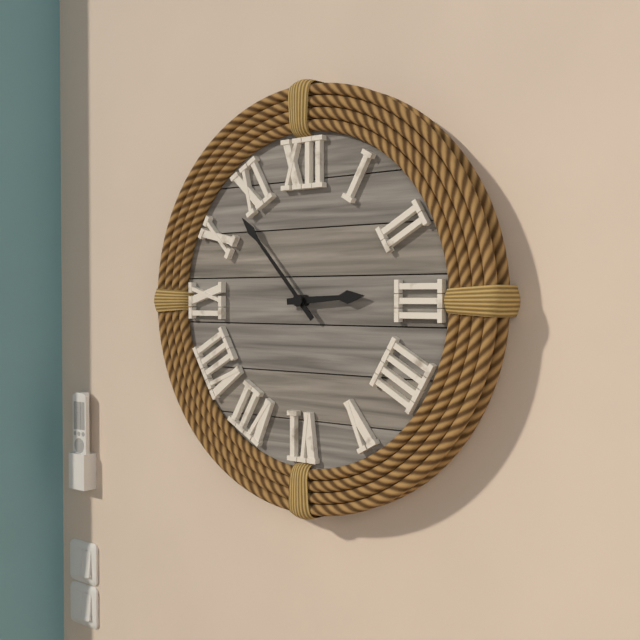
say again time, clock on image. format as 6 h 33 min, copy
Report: 2 h 53 min
